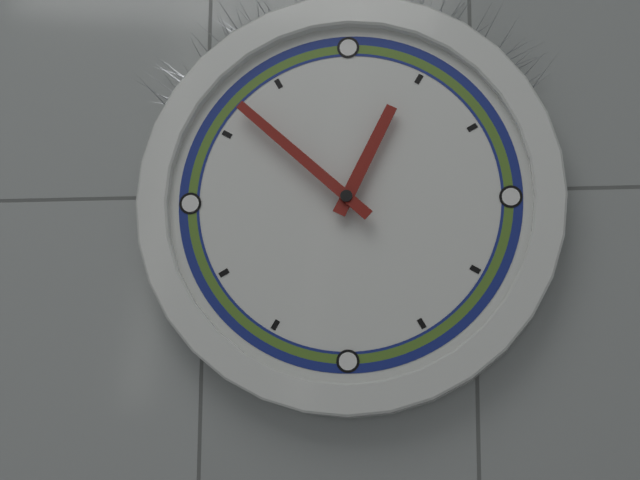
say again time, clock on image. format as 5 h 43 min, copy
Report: 12 h 52 min
